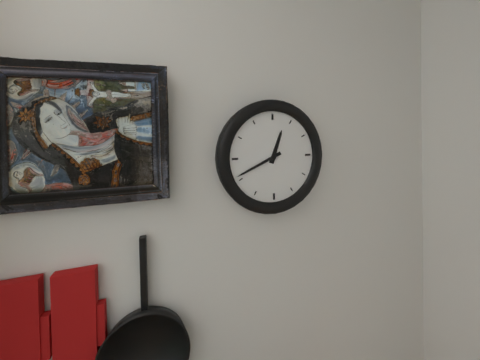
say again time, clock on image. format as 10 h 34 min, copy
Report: 12 h 41 min
